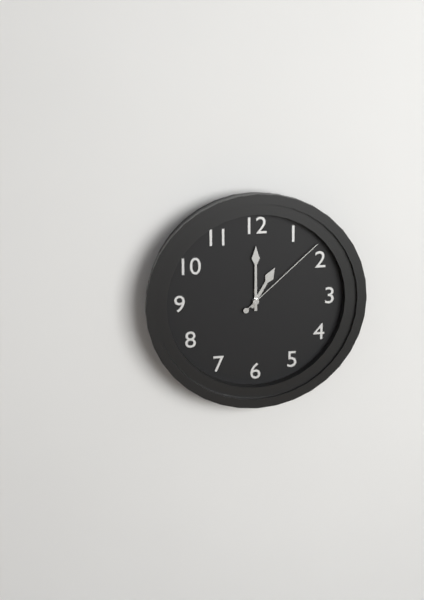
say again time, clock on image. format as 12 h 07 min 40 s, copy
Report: 1 h 00 min 08 s
